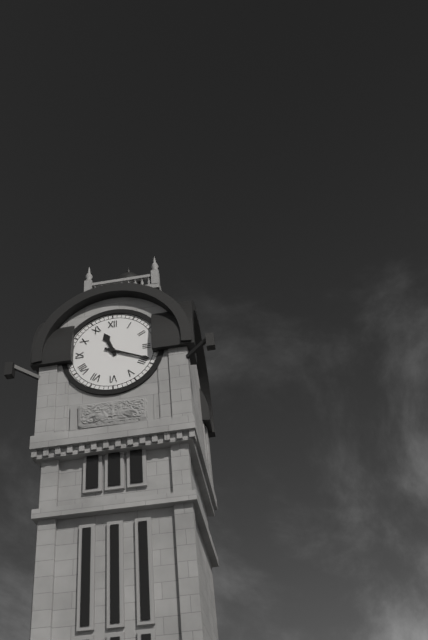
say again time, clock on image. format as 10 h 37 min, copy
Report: 11 h 19 min
